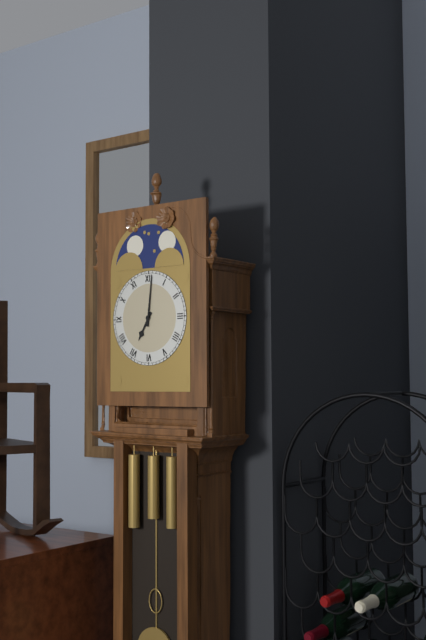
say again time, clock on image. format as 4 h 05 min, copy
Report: 7 h 01 min
